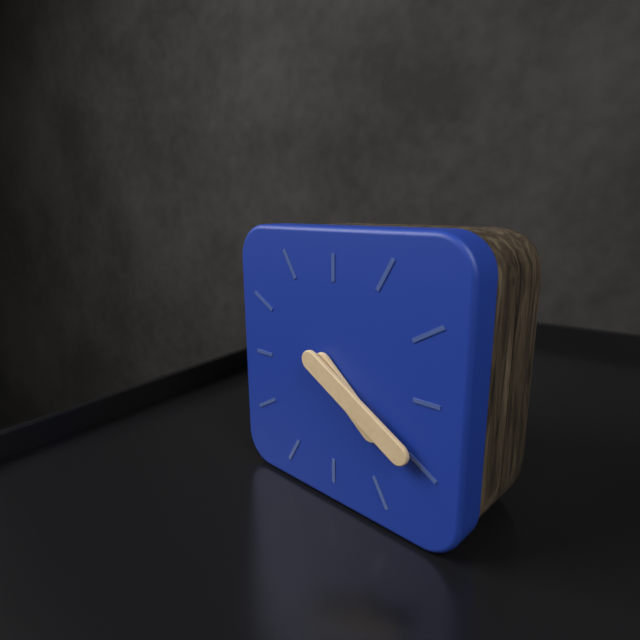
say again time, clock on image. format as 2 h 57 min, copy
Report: 4 h 20 min
